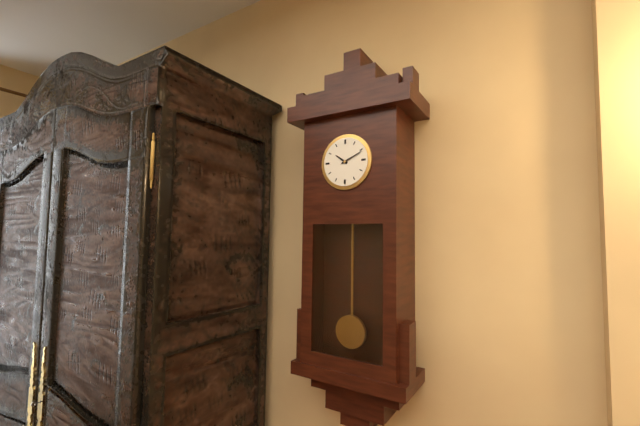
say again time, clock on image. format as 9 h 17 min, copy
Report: 10 h 11 min
